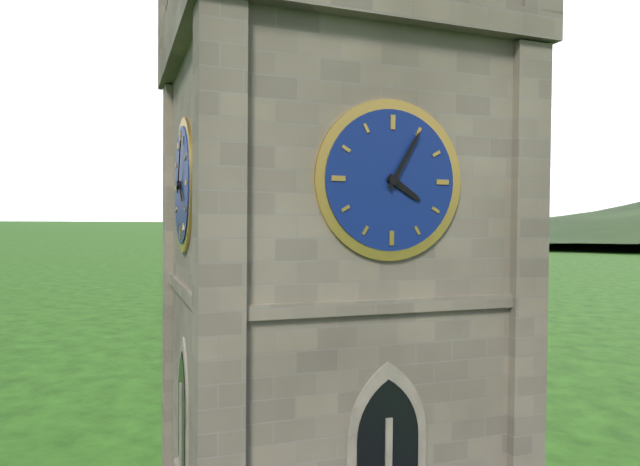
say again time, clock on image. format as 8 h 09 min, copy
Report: 4 h 05 min
